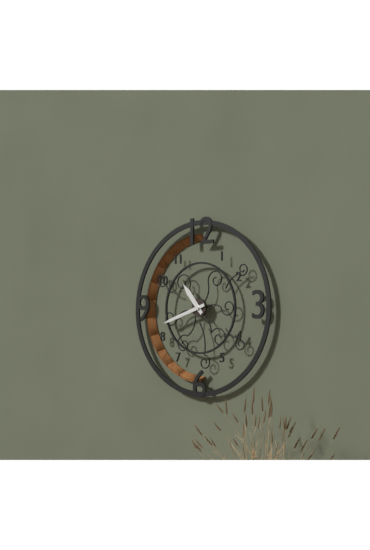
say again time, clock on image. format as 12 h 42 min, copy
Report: 10 h 42 min
